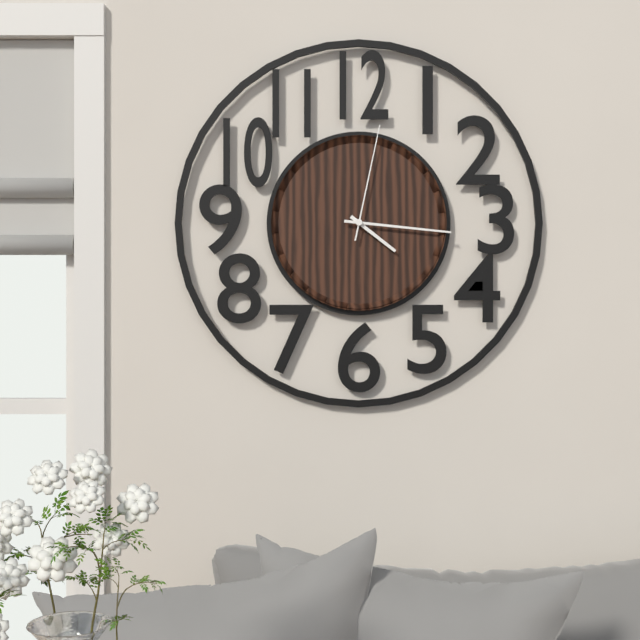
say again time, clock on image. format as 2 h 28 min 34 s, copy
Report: 4 h 16 min 02 s
